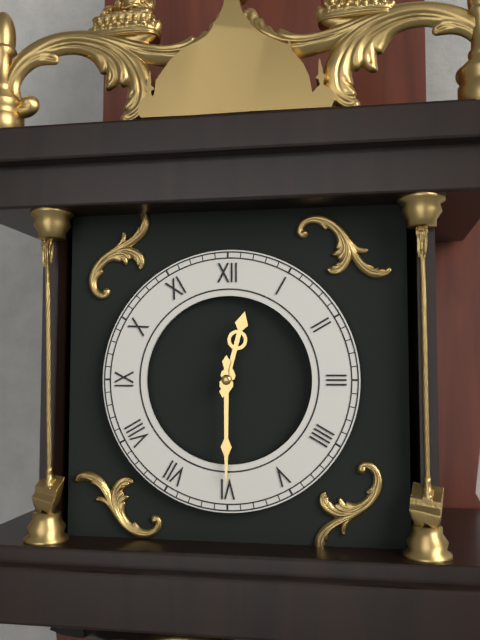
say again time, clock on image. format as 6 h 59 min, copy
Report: 12 h 30 min
